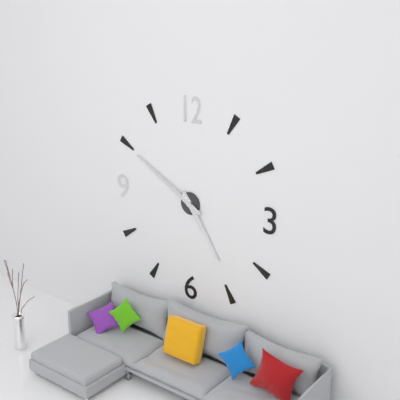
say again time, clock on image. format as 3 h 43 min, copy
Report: 4 h 50 min
